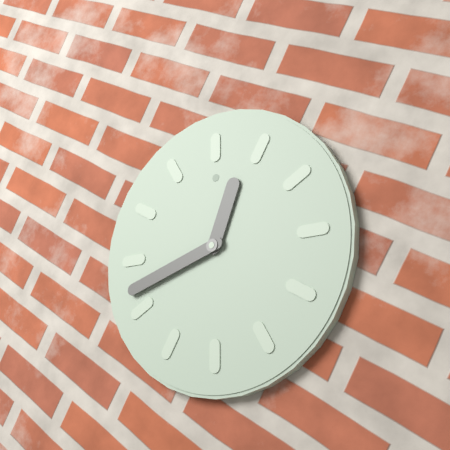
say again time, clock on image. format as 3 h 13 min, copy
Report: 12 h 42 min
